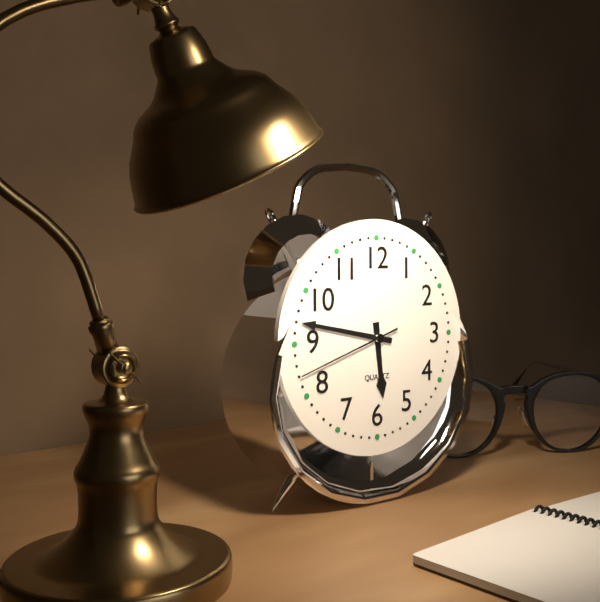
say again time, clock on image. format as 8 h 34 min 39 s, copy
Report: 5 h 47 min 42 s
